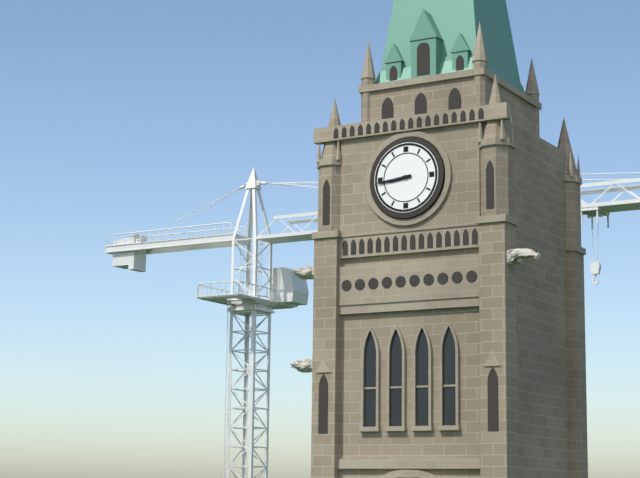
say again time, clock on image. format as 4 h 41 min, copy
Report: 8 h 44 min
